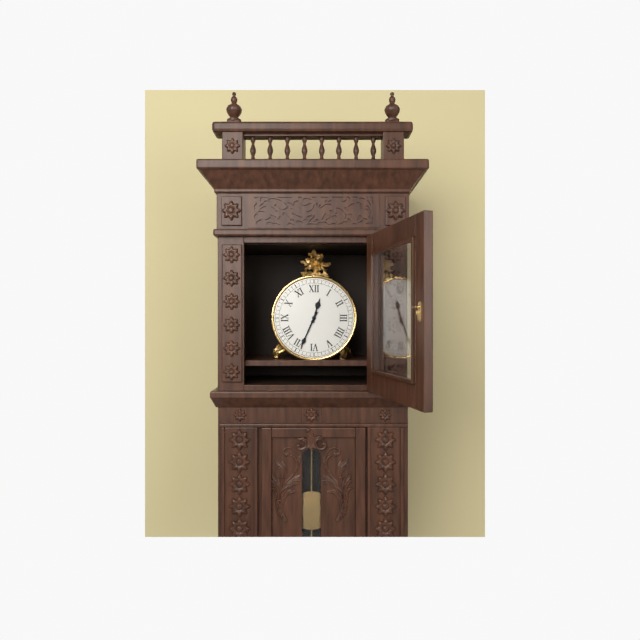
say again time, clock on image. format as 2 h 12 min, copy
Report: 12 h 34 min
